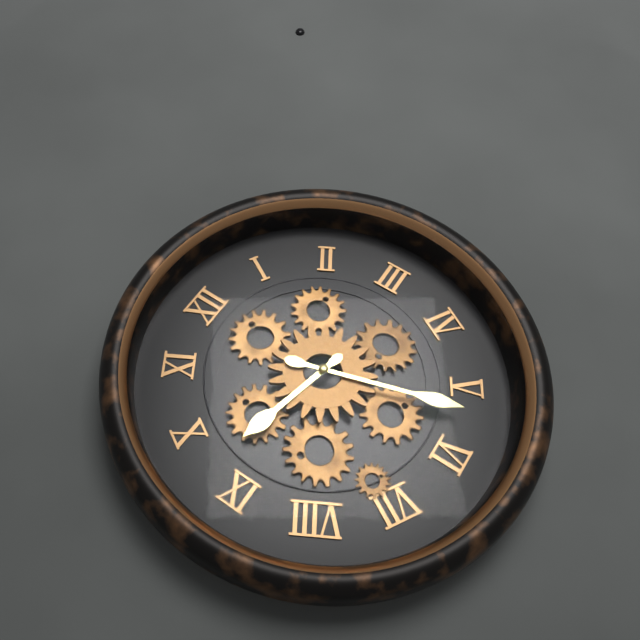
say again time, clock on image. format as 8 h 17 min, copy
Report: 9 h 27 min
